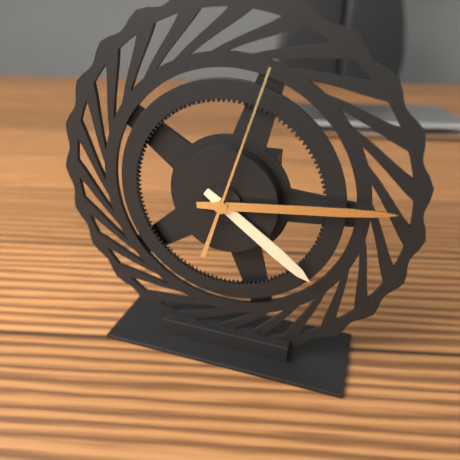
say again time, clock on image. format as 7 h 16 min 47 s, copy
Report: 4 h 14 min 03 s
